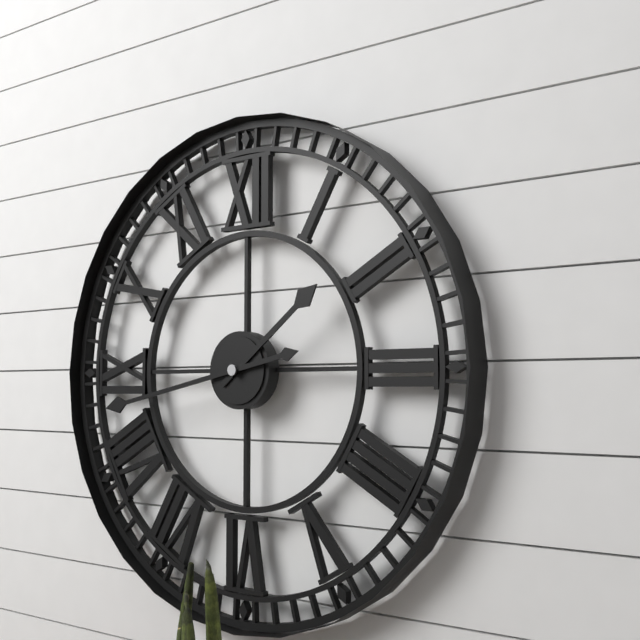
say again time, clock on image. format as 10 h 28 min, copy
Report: 1 h 43 min
